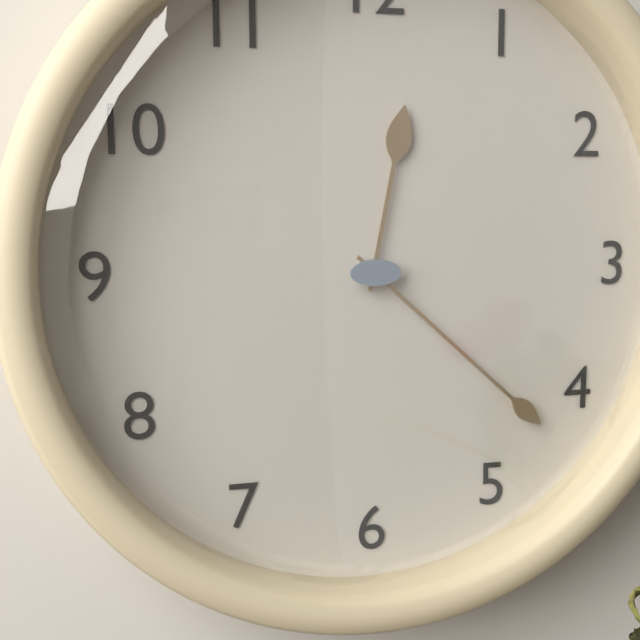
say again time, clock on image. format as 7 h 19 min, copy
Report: 12 h 22 min
